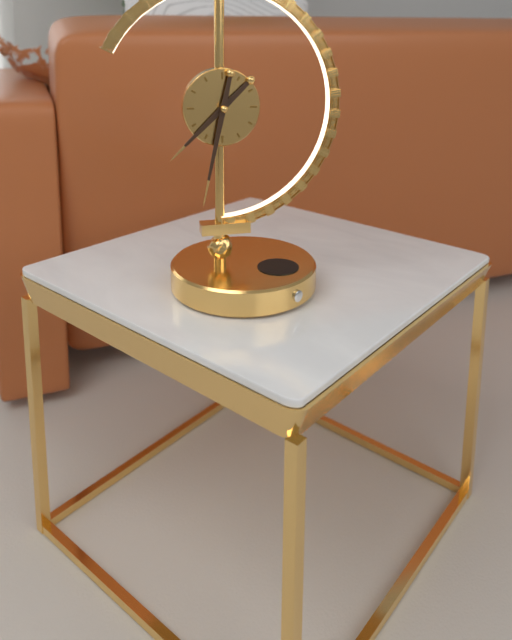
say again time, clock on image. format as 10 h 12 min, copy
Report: 7 h 32 min
